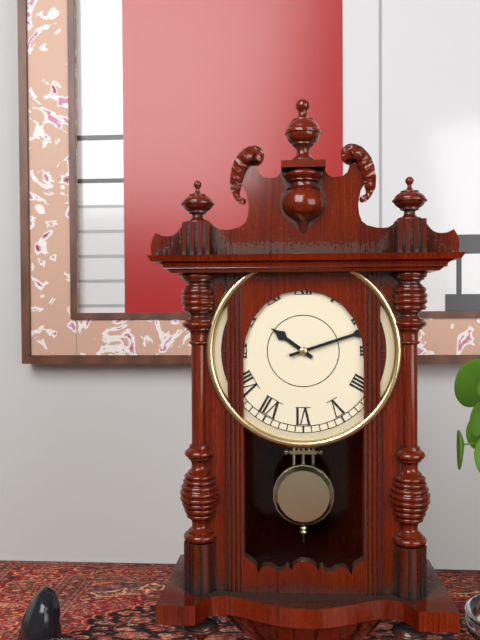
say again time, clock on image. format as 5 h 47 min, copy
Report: 10 h 12 min
